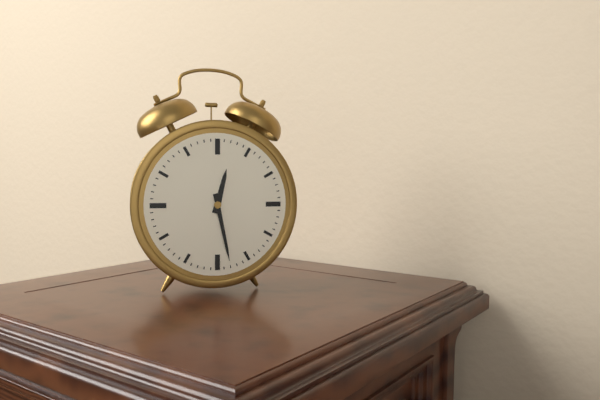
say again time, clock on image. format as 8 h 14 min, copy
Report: 12 h 28 min
